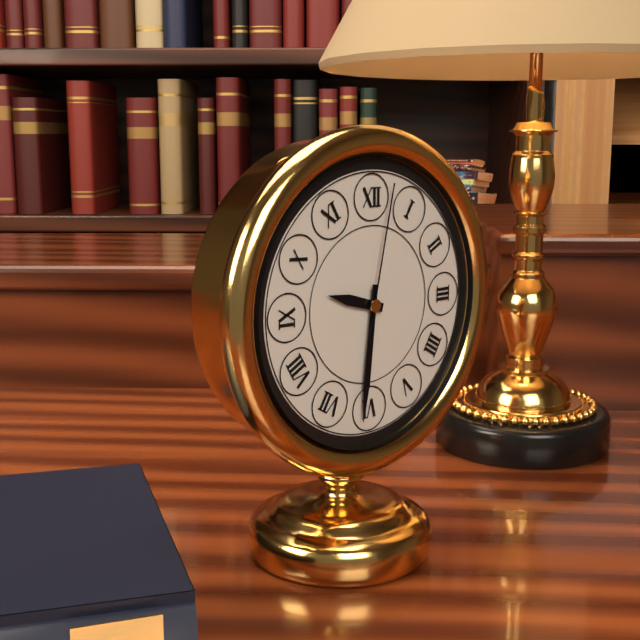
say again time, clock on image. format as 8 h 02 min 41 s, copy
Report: 9 h 31 min 02 s
